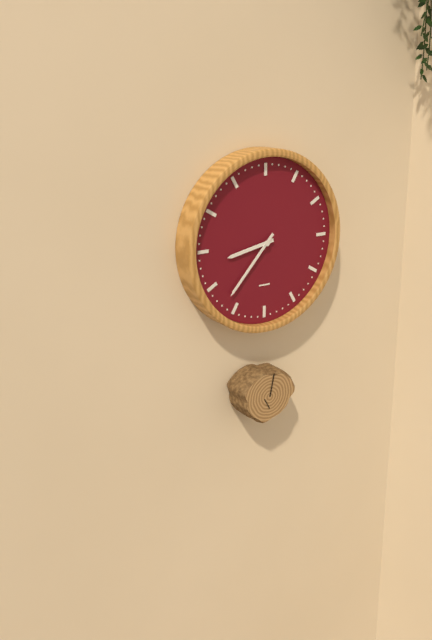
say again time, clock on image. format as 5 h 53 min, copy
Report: 8 h 37 min
